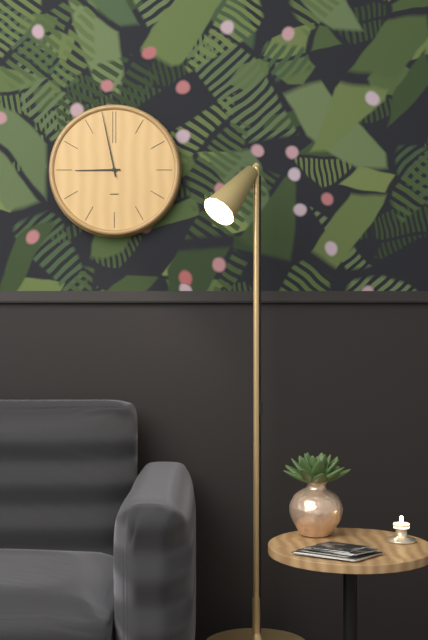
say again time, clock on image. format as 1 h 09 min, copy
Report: 8 h 58 min
